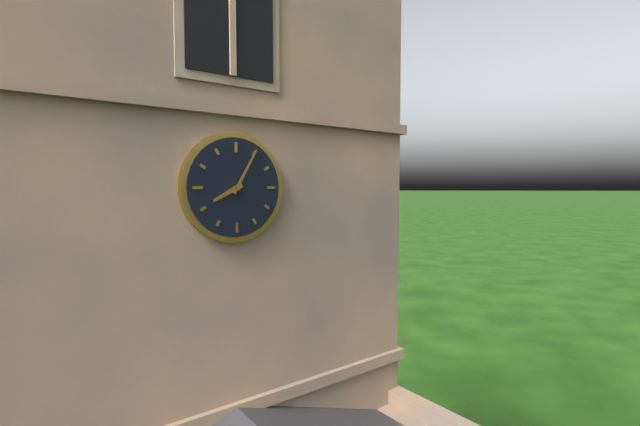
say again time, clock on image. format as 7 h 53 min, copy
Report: 8 h 05 min
